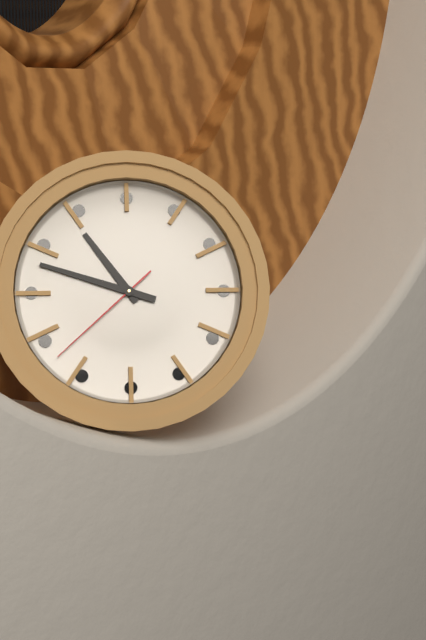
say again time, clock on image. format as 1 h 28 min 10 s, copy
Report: 10 h 48 min 38 s
